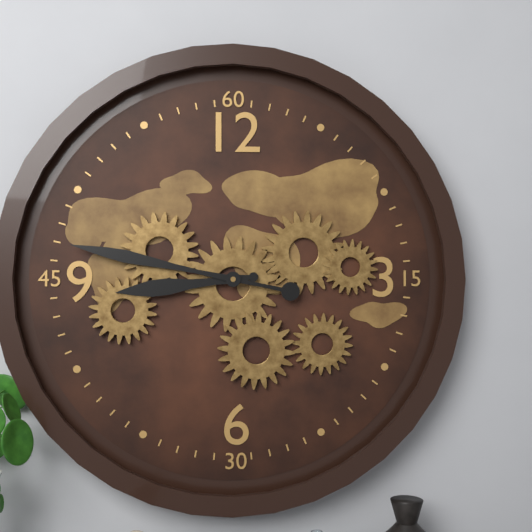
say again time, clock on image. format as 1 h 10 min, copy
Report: 8 h 47 min
